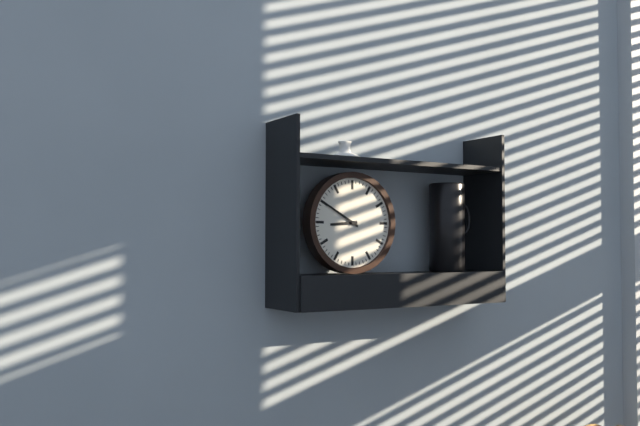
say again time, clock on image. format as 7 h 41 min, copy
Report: 8 h 50 min
